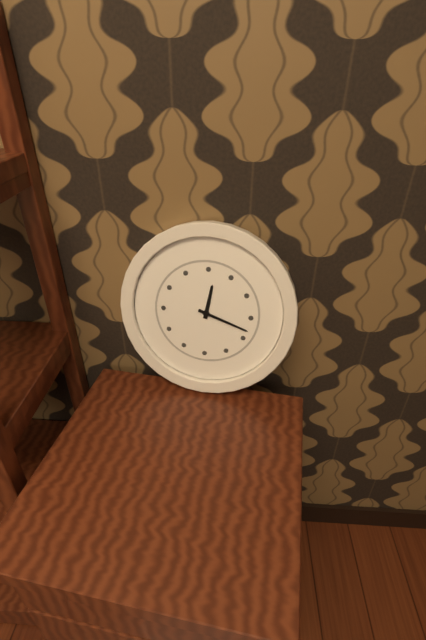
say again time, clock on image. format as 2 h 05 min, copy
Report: 12 h 18 min
